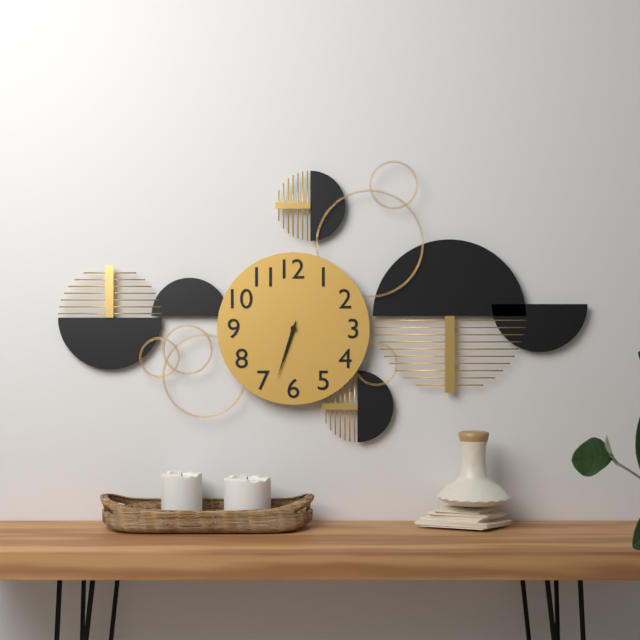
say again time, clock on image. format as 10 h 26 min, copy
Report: 6 h 33 min
